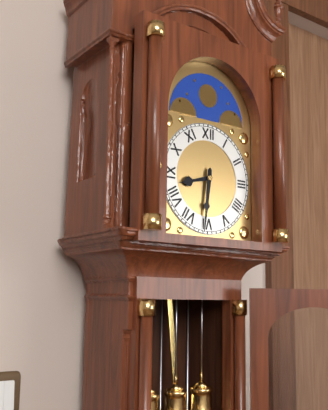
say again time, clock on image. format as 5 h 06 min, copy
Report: 8 h 31 min
